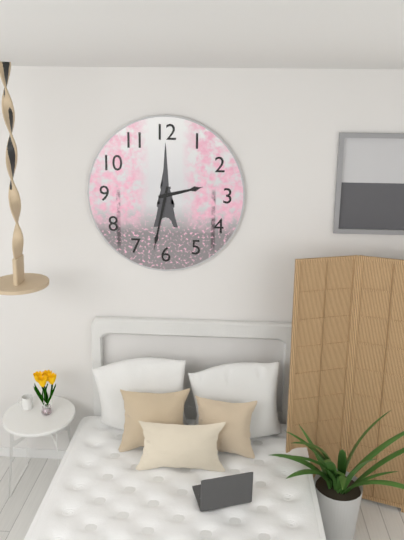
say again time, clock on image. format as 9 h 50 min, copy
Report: 2 h 32 min
